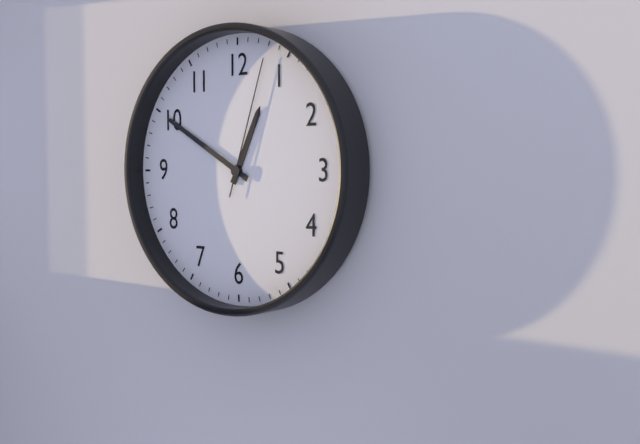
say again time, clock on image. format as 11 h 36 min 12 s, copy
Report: 12 h 50 min 03 s
